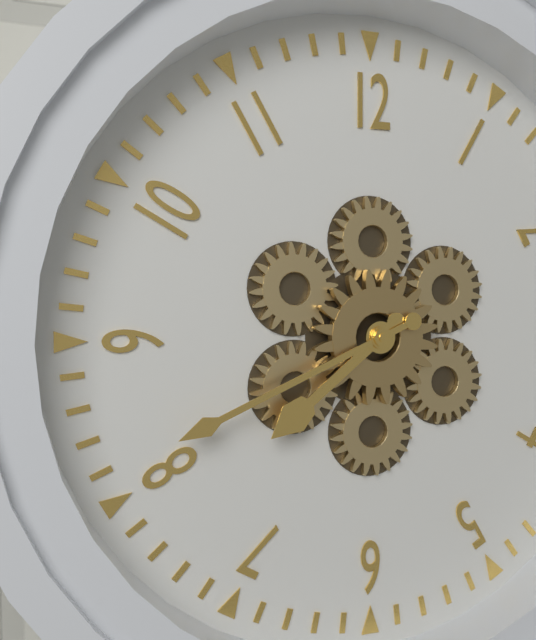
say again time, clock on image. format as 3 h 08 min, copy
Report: 7 h 41 min
